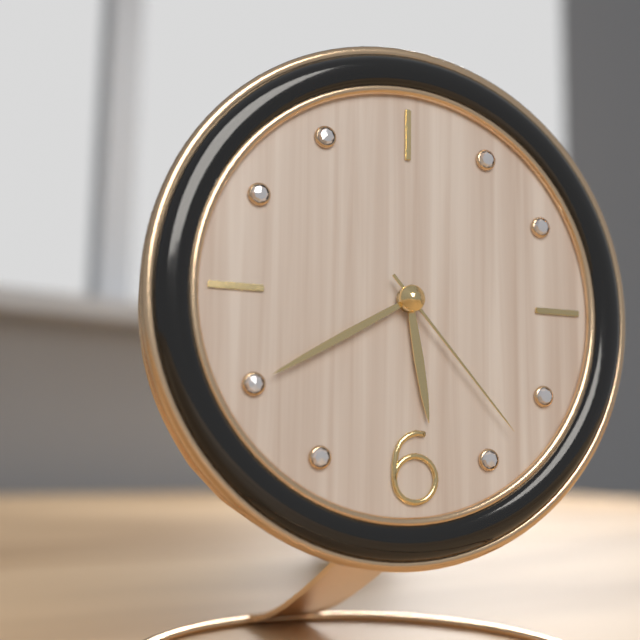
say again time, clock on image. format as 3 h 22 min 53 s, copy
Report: 5 h 40 min 23 s
